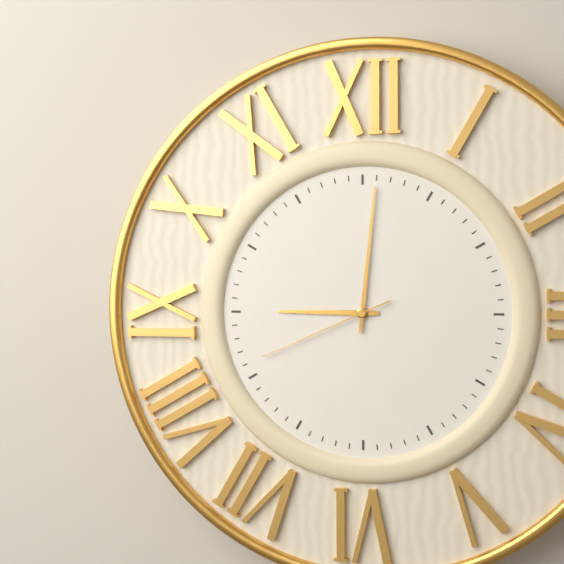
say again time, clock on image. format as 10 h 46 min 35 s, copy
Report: 9 h 01 min 41 s
